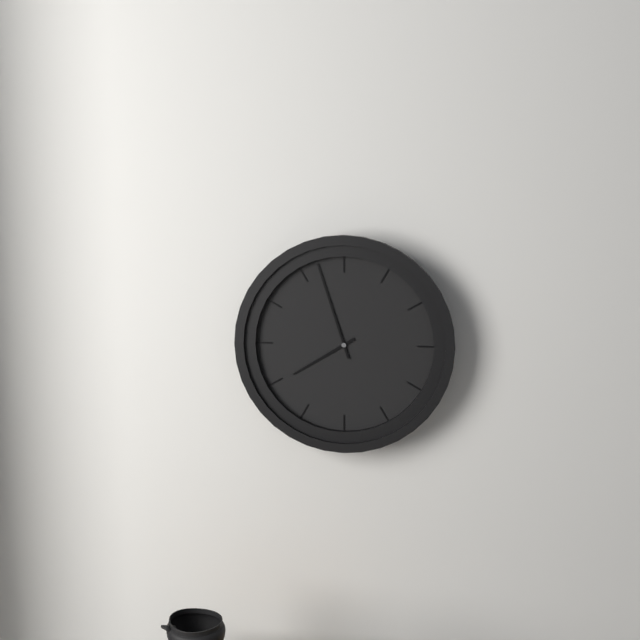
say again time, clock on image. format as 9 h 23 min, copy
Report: 7 h 57 min
